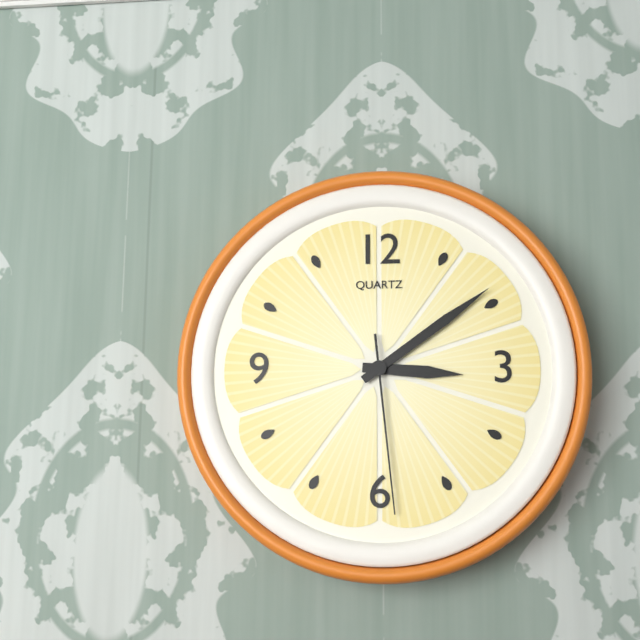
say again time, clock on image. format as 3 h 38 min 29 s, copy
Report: 3 h 09 min 29 s
